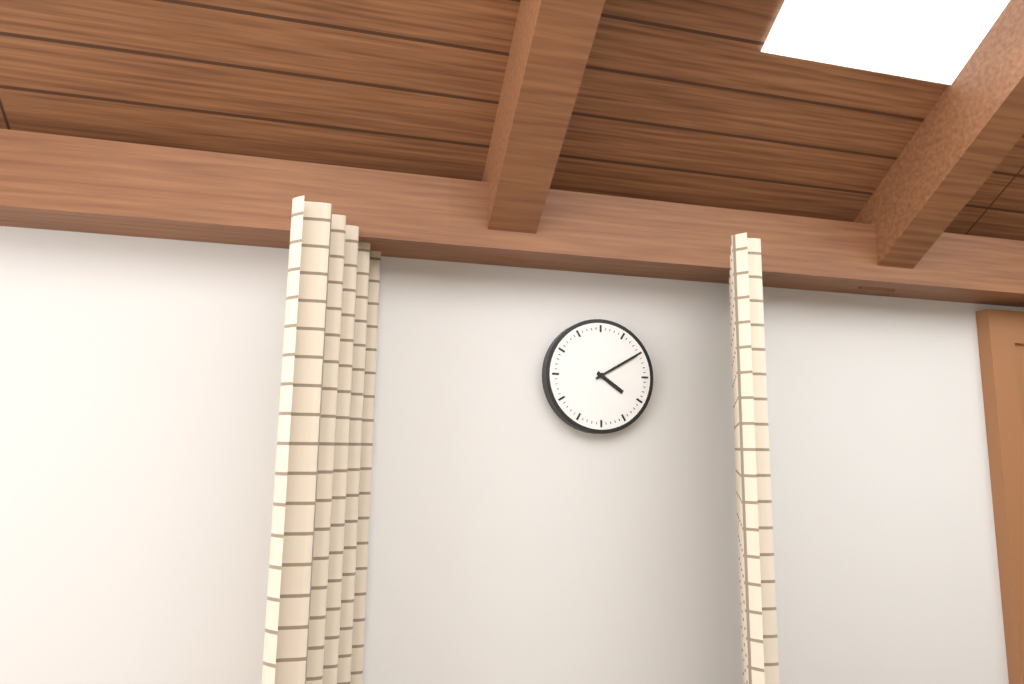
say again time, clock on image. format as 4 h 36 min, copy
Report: 4 h 10 min
